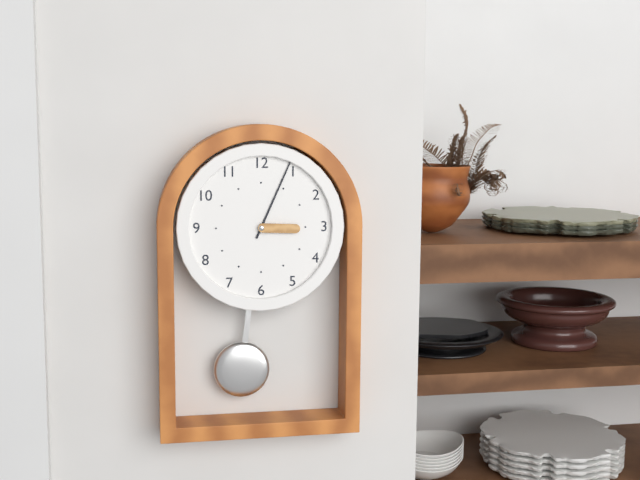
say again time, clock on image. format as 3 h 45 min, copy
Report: 3 h 04 min
